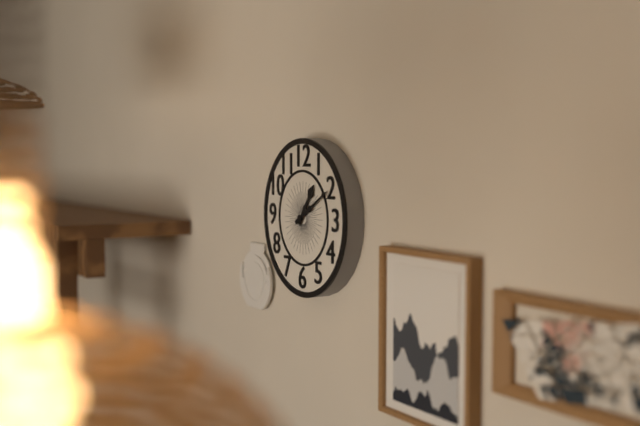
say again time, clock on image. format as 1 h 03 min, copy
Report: 1 h 10 min
